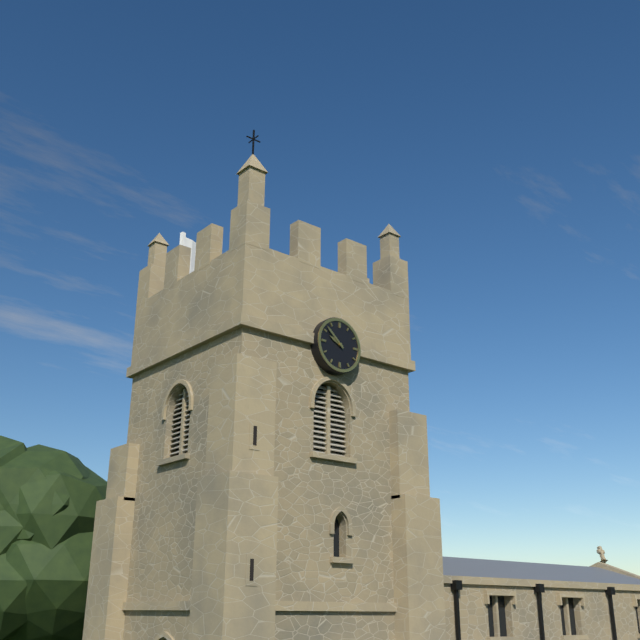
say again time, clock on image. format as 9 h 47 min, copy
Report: 9 h 52 min
